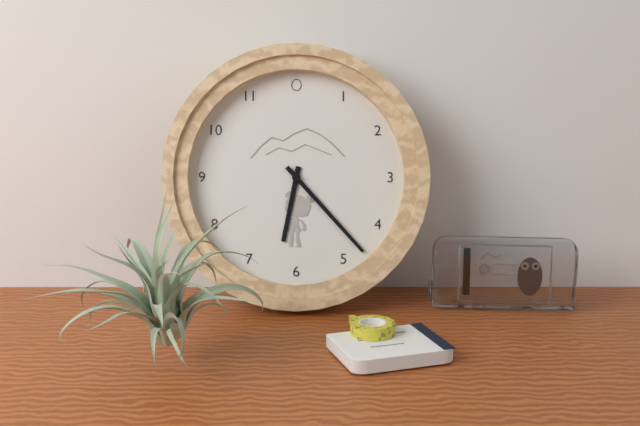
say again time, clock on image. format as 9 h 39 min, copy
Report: 6 h 23 min
